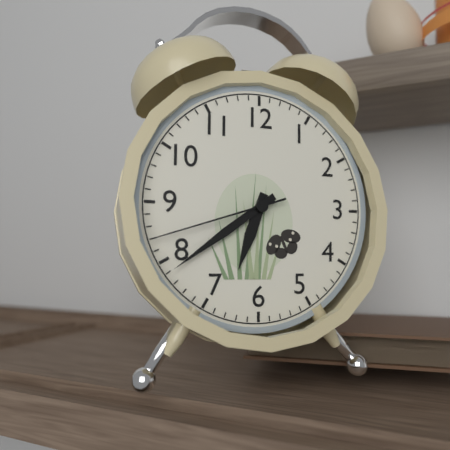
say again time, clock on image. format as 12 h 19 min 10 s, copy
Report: 6 h 39 min 42 s
